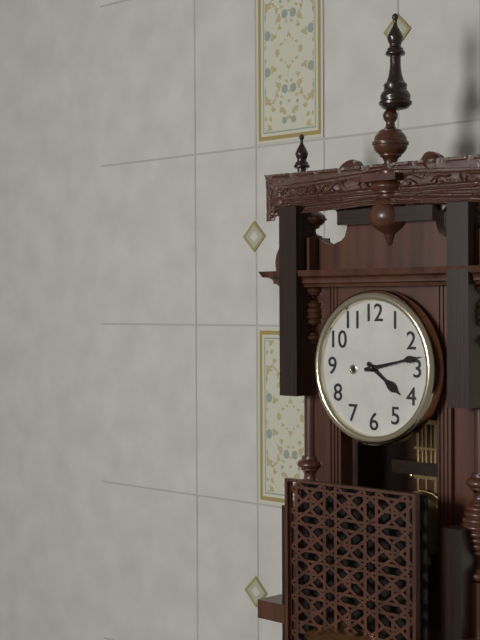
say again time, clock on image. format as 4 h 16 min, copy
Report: 4 h 13 min
